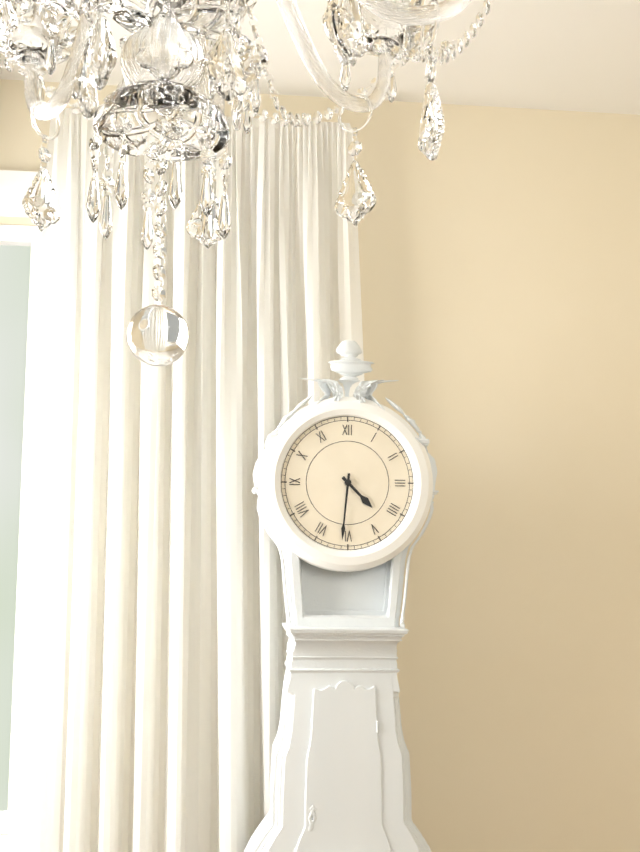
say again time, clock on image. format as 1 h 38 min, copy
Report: 4 h 31 min
